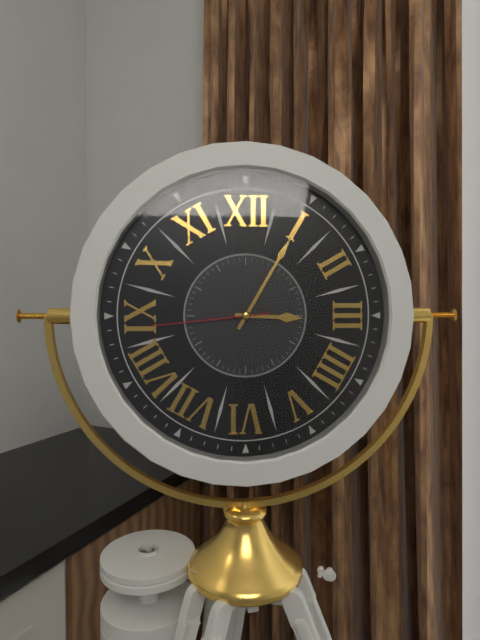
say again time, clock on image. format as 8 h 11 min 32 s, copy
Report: 3 h 05 min 44 s
